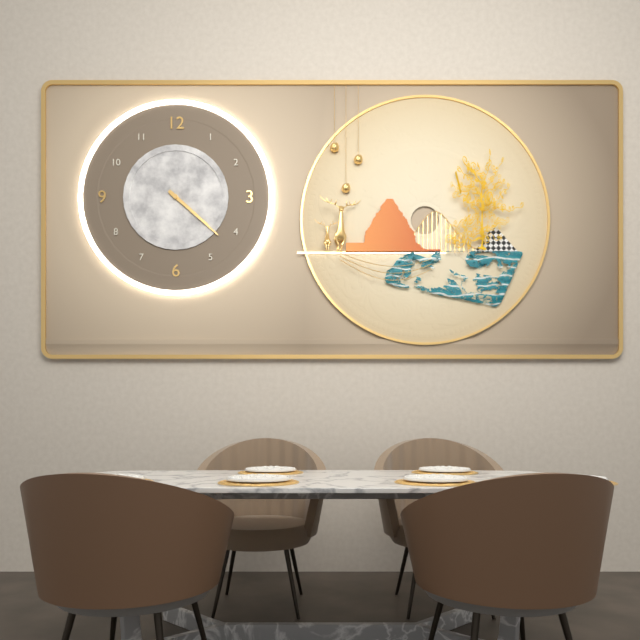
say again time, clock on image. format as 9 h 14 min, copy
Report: 4 h 22 min
